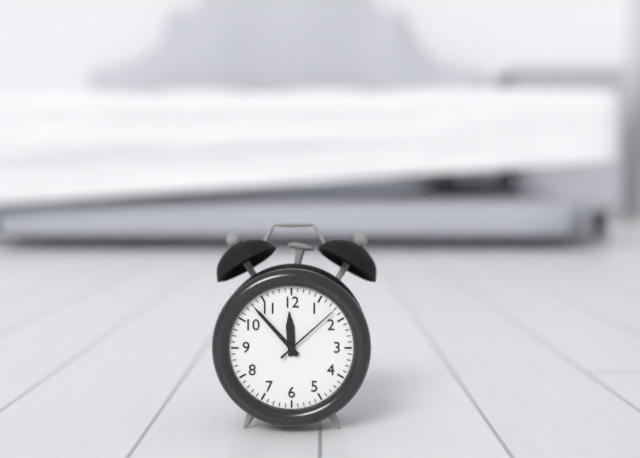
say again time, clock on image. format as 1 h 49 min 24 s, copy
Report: 11 h 53 min 08 s
